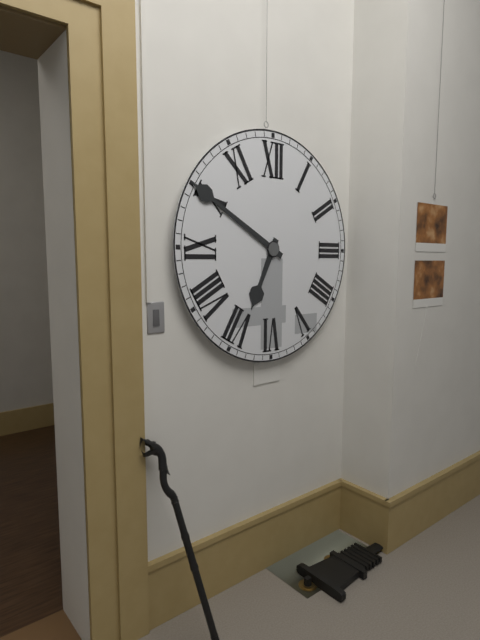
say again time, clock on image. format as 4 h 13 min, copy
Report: 6 h 50 min
